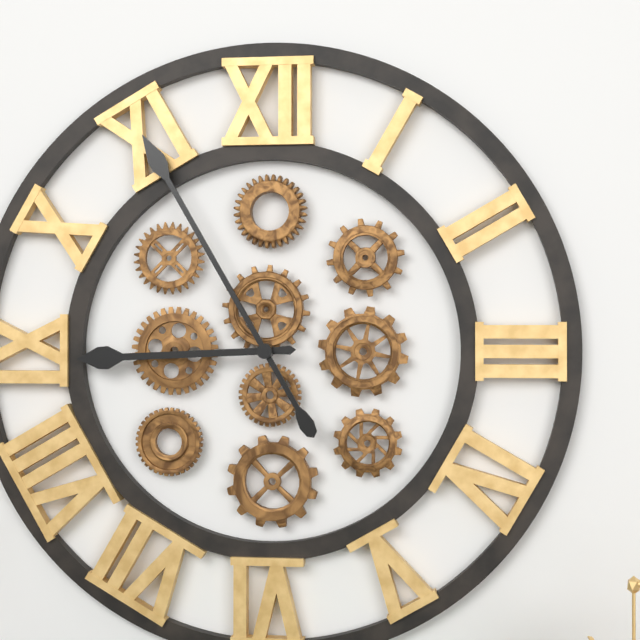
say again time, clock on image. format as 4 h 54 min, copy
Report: 8 h 55 min
